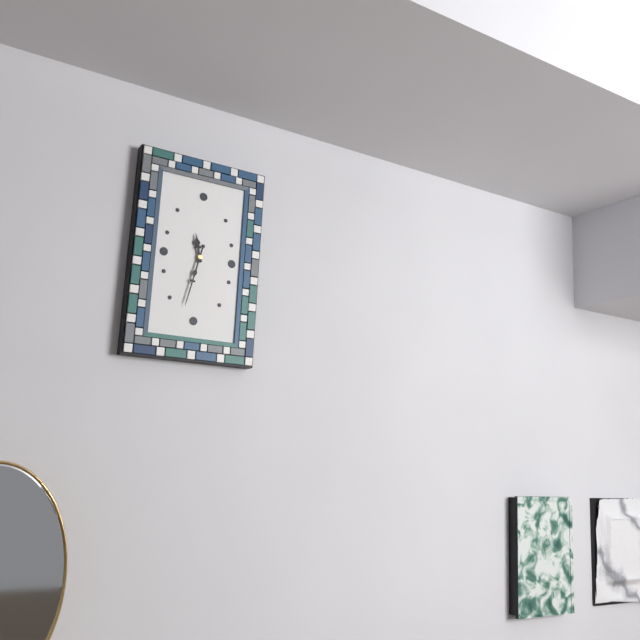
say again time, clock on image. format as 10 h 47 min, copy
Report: 11 h 32 min
